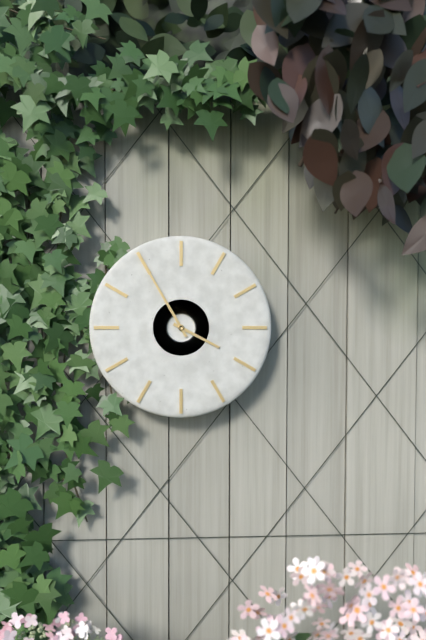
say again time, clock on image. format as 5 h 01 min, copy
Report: 3 h 55 min
